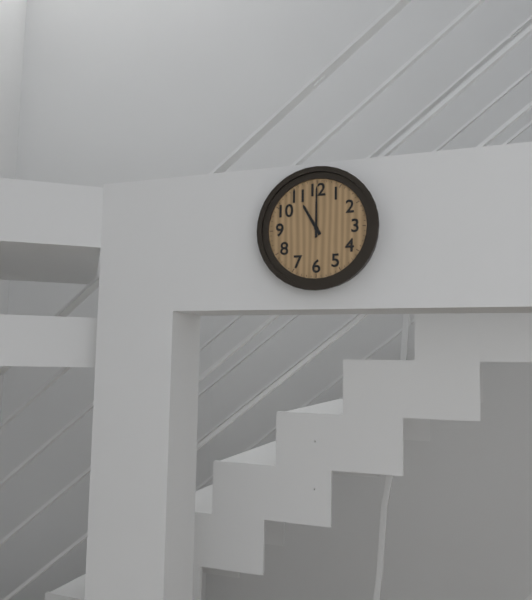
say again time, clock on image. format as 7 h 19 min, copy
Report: 11 h 00 min
